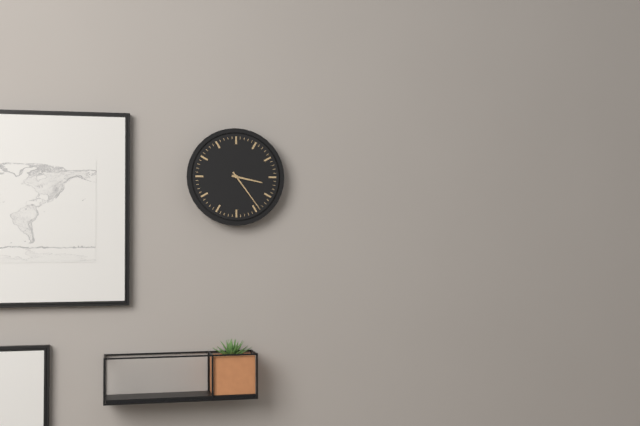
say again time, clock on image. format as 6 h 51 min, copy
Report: 3 h 24 min
